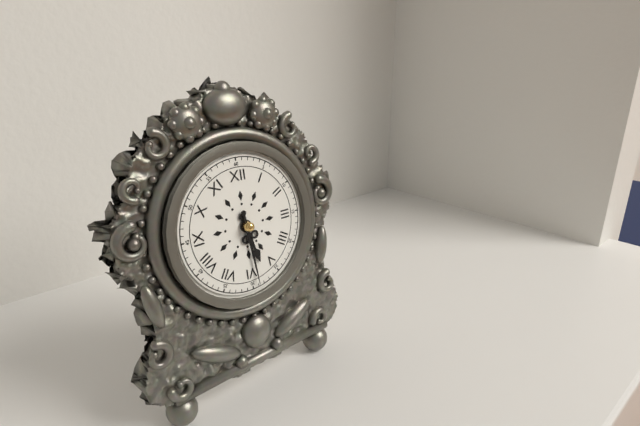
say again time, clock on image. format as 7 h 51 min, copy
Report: 5 h 29 min
